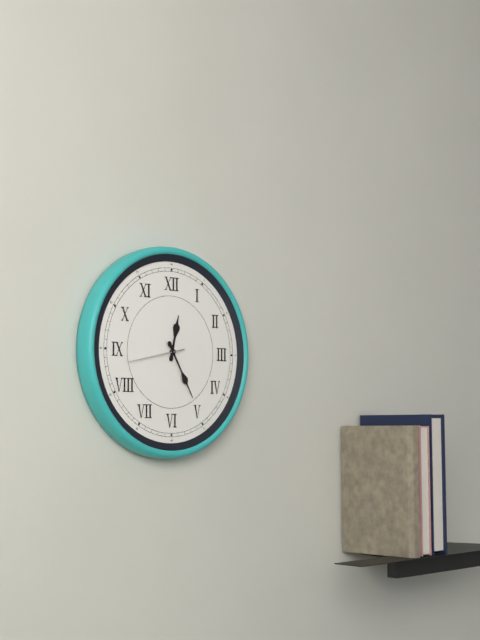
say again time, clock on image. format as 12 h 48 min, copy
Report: 12 h 25 min
